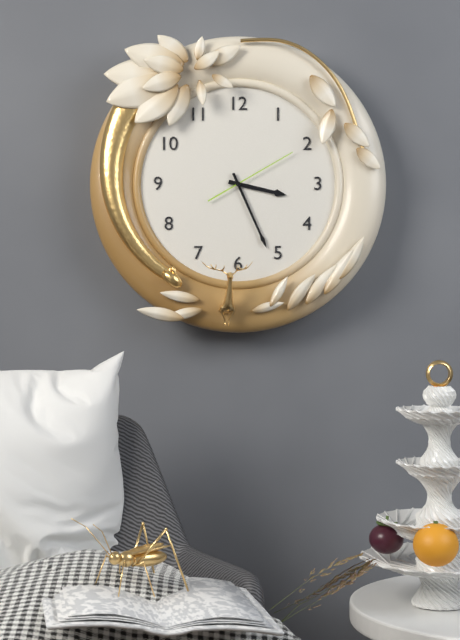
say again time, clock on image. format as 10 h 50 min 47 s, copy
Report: 3 h 26 min 10 s
